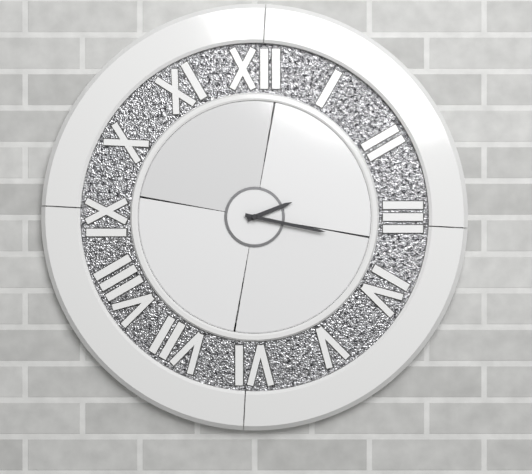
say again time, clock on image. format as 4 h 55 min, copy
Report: 2 h 17 min
